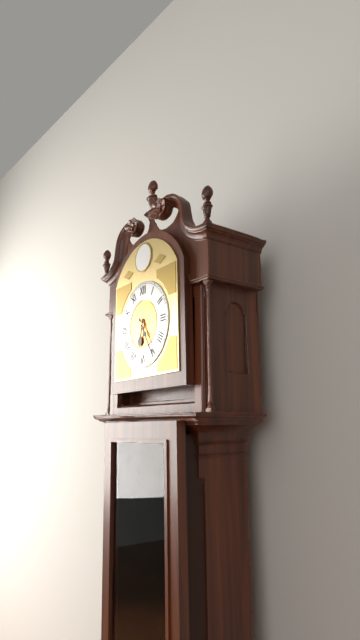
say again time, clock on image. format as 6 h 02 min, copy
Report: 6 h 25 min
